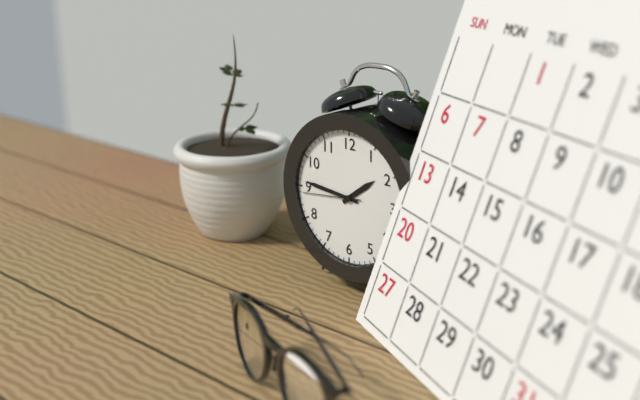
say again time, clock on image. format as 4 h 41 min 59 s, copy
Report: 1 h 46 min 44 s
